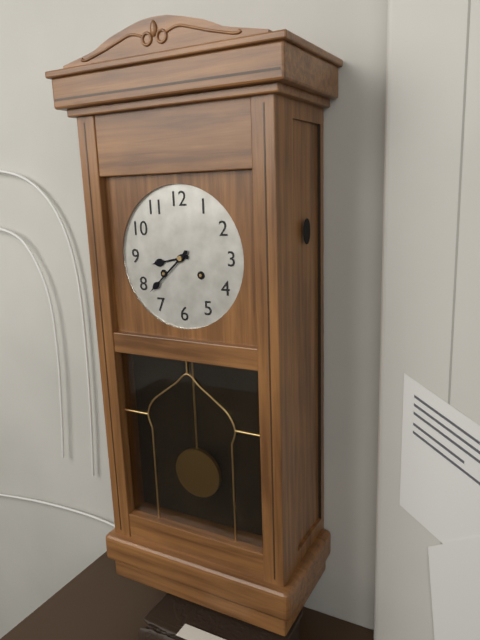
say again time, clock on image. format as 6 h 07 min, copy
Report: 8 h 38 min
